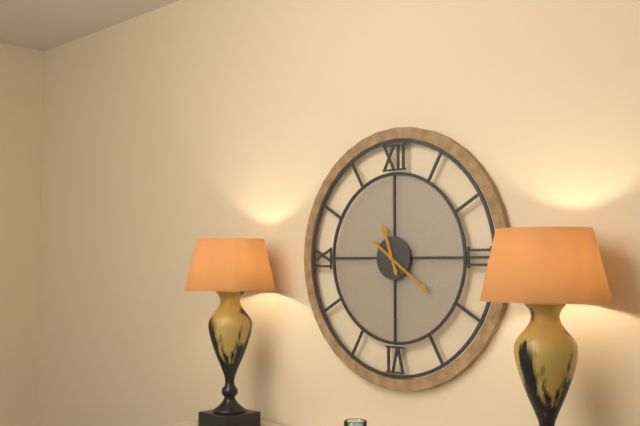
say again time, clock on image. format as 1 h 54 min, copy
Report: 11 h 21 min
